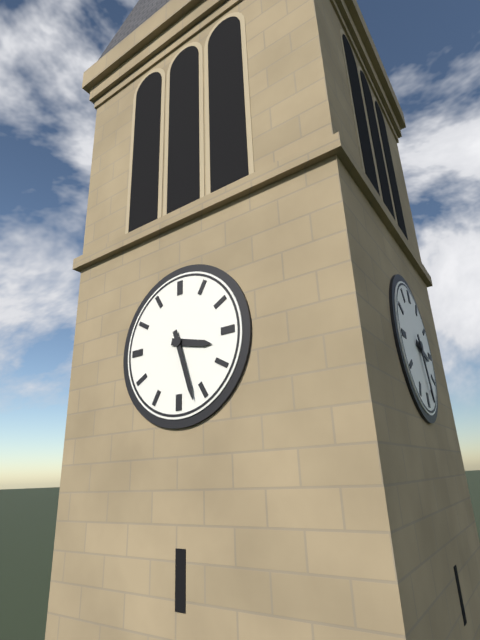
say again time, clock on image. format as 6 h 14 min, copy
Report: 3 h 27 min
